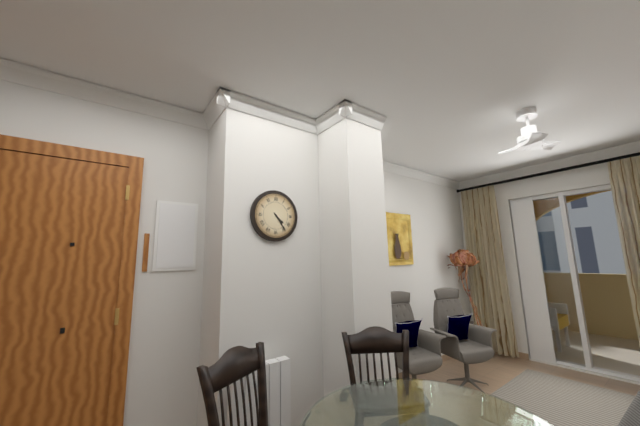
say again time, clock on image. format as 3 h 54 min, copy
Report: 4 h 24 min
